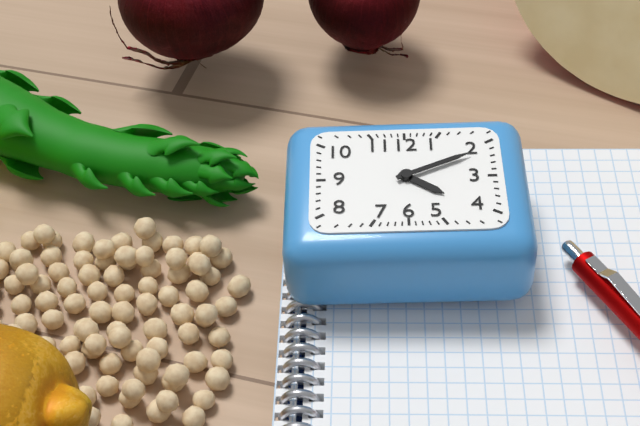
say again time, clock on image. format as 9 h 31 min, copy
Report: 4 h 11 min
